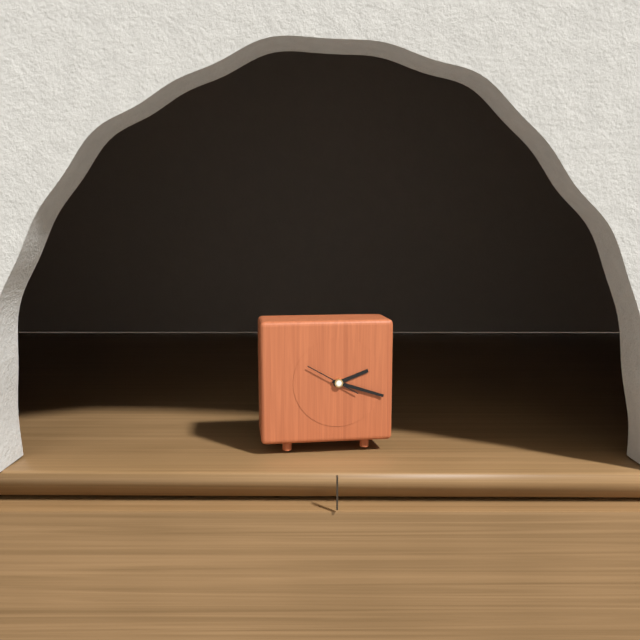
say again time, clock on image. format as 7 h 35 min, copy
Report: 2 h 18 min
